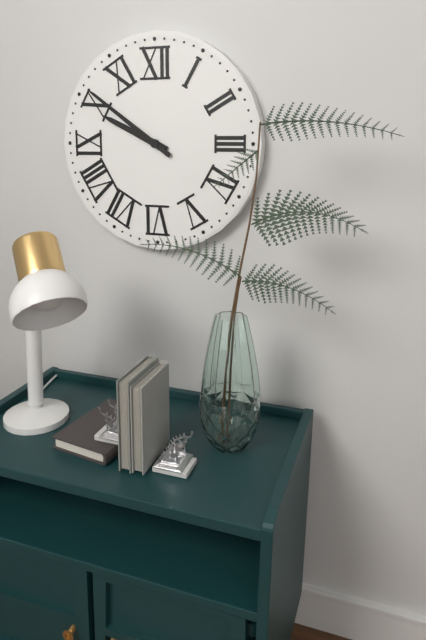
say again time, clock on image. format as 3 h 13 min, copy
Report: 9 h 51 min
